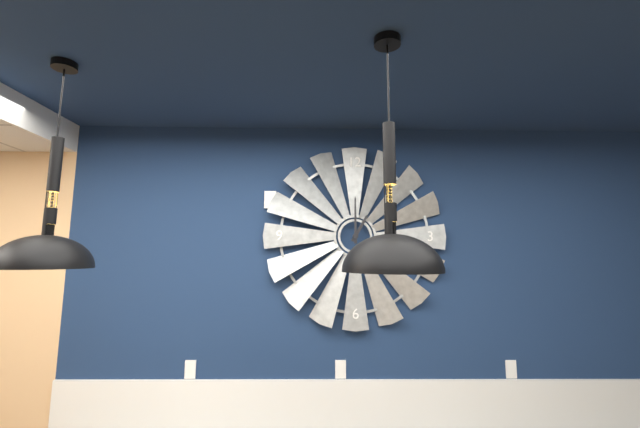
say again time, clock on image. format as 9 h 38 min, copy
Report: 1 h 00 min
